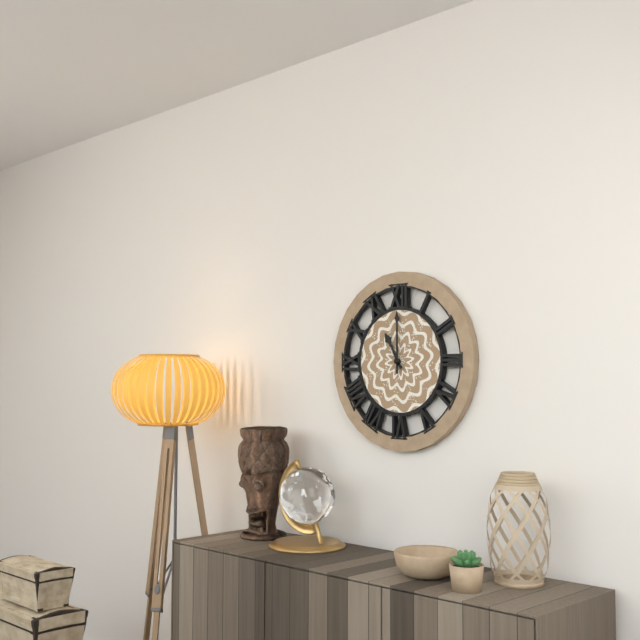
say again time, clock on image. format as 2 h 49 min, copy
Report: 11 h 00 min
